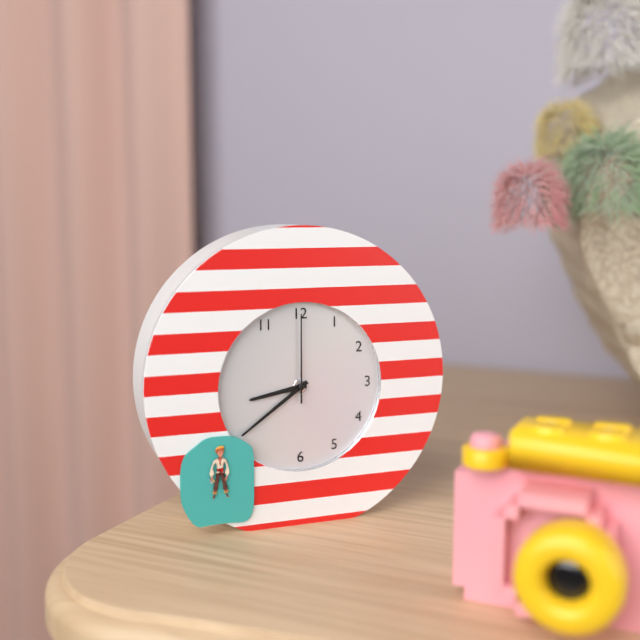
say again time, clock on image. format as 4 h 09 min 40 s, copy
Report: 8 h 39 min 00 s
